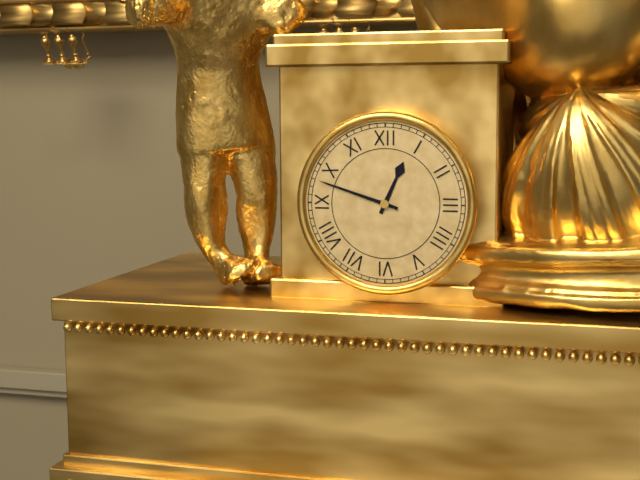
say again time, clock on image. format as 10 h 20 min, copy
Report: 12 h 48 min
